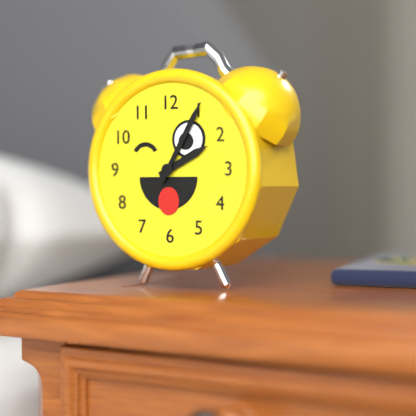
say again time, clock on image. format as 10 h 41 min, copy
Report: 2 h 05 min
